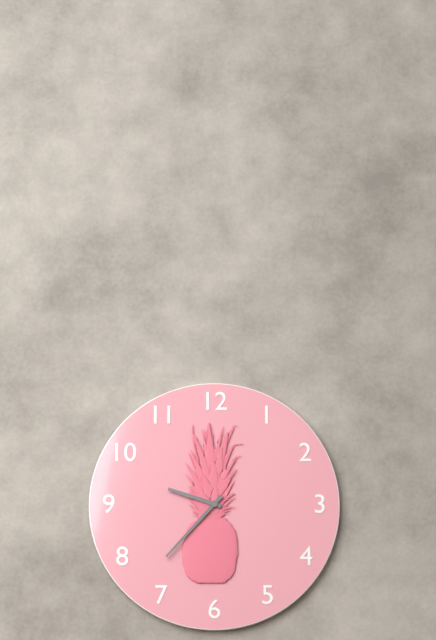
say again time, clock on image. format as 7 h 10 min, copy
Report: 9 h 37 min
